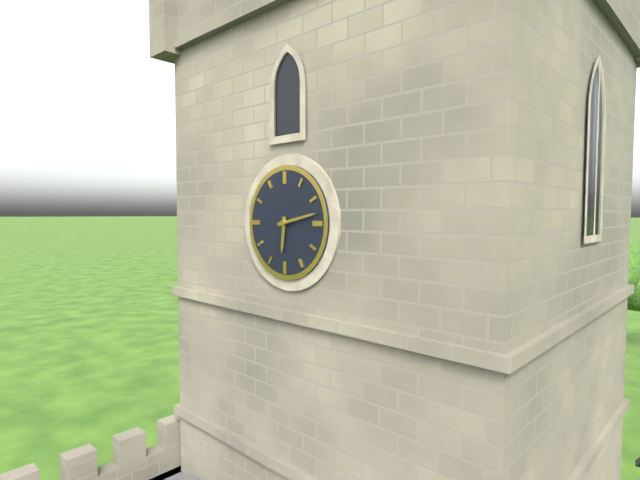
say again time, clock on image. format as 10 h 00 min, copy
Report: 6 h 13 min
